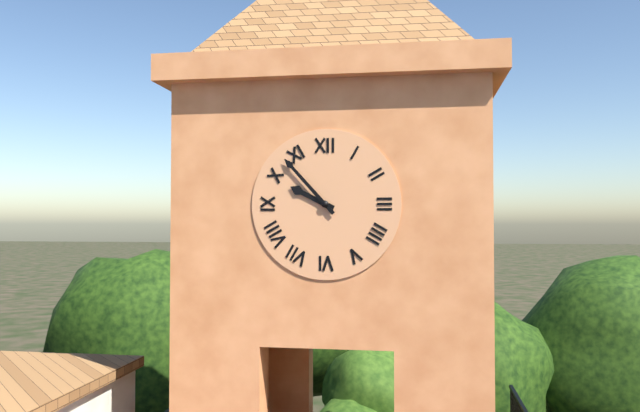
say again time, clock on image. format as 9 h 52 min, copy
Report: 9 h 53 min
